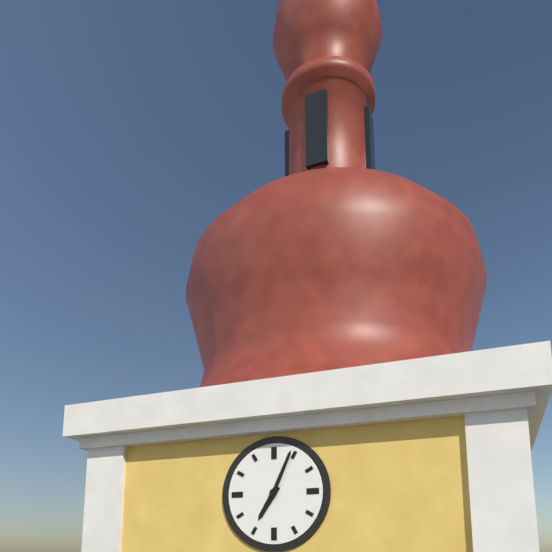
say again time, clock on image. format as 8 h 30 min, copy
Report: 7 h 04 min
